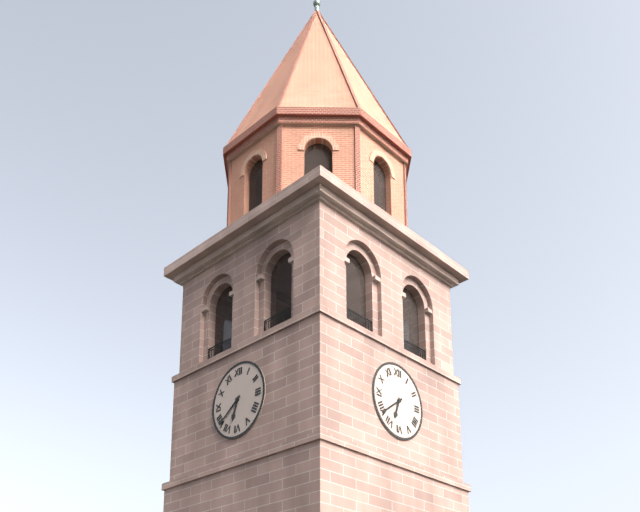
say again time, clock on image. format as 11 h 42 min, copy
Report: 6 h 39 min
